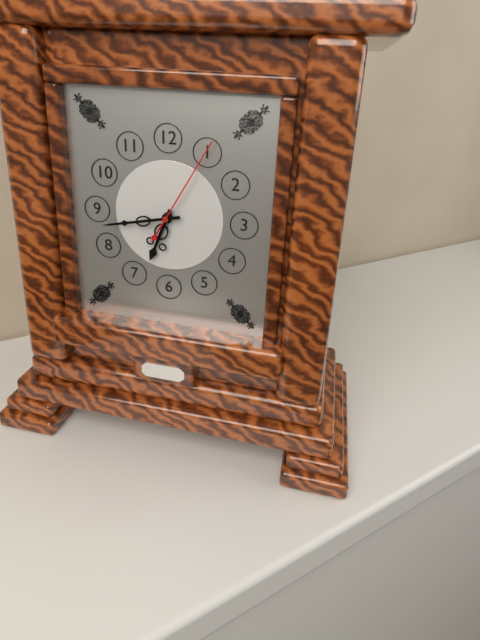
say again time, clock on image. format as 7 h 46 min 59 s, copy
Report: 6 h 43 min 05 s
